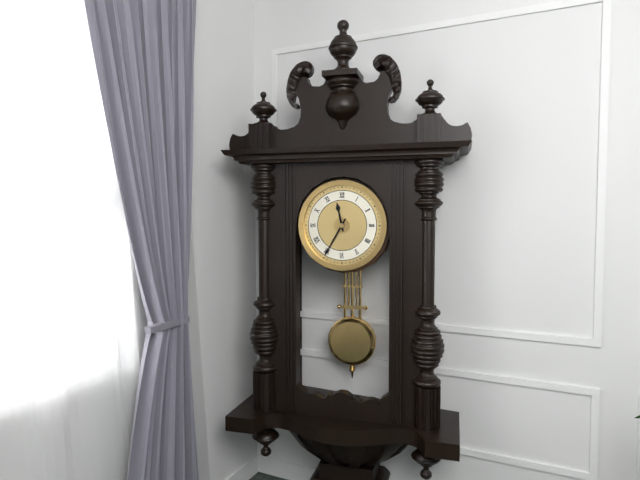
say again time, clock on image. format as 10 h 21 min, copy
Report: 11 h 35 min
